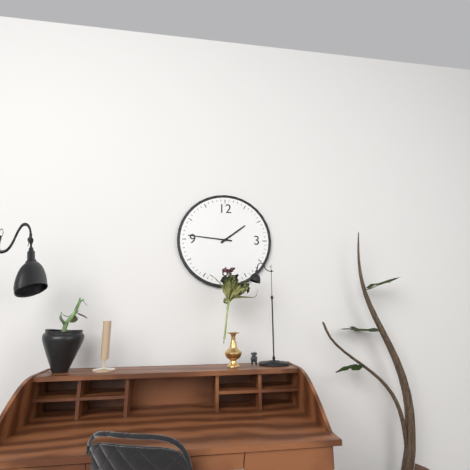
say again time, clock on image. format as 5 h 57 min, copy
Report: 1 h 46 min
